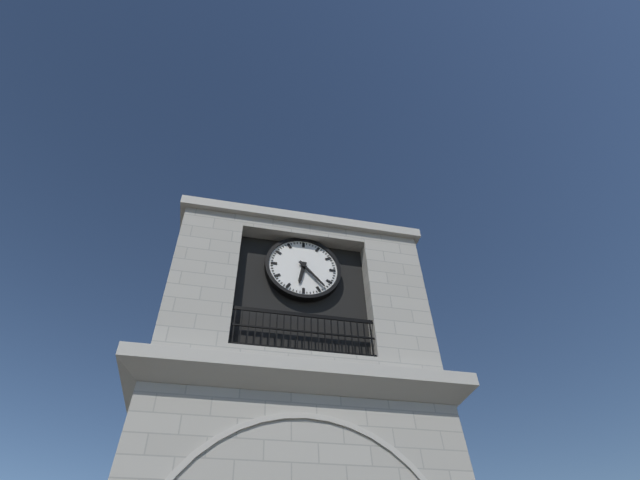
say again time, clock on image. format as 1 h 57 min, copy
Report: 6 h 23 min
